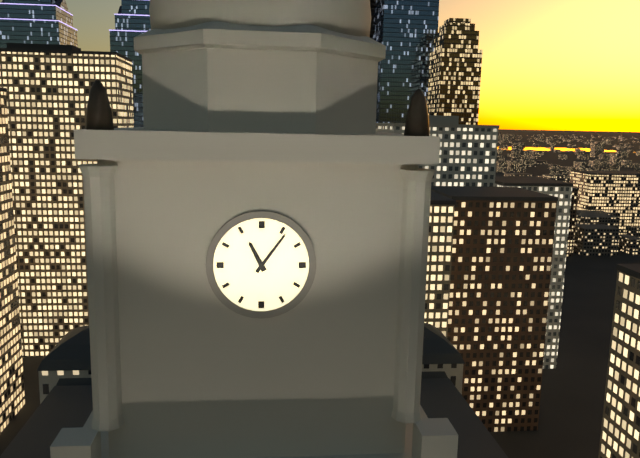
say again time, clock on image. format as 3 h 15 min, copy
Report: 11 h 06 min
